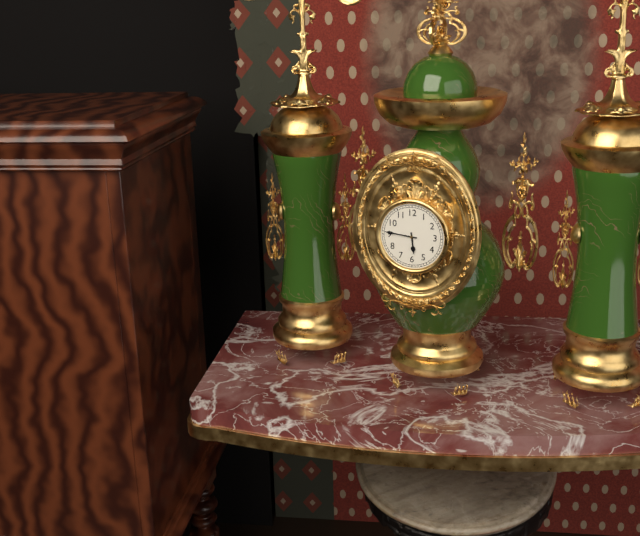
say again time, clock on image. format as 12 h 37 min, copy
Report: 5 h 46 min
